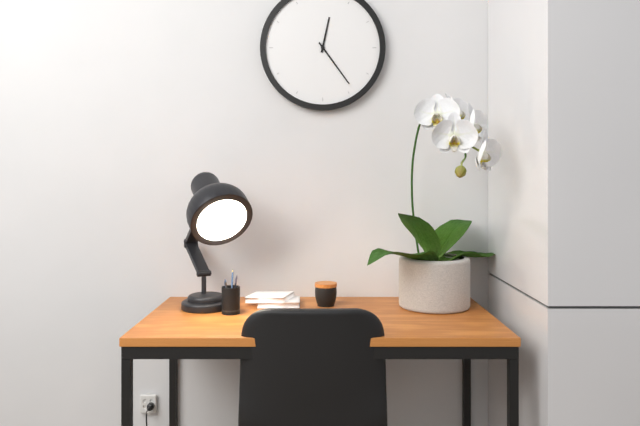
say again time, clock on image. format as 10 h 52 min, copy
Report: 12 h 24 min
